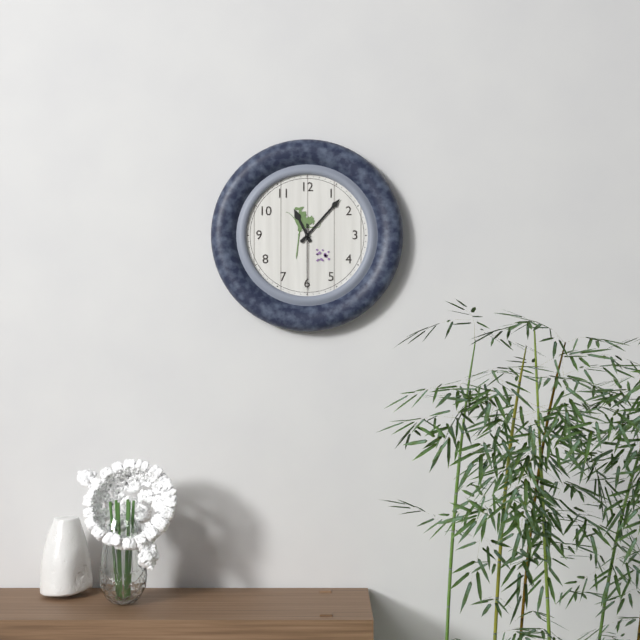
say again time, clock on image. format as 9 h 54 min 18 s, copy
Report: 11 h 07 min 30 s
